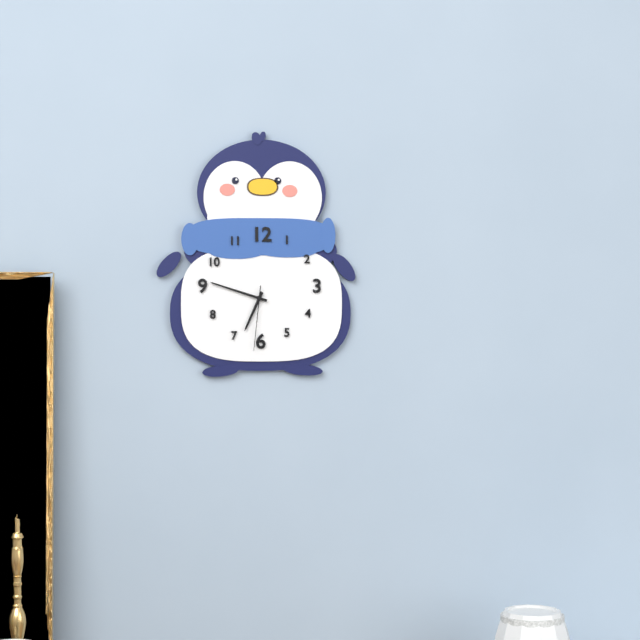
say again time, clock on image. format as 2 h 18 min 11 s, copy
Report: 6 h 48 min 31 s
